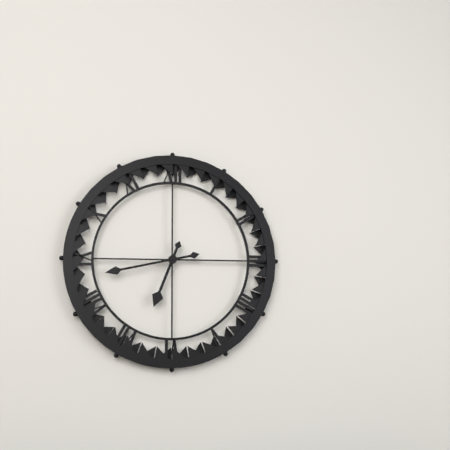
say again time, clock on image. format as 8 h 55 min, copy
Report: 6 h 43 min
